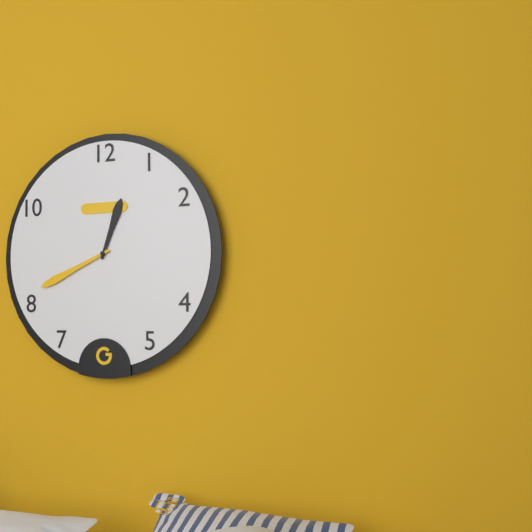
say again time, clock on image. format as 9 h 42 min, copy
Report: 12 h 41 min
